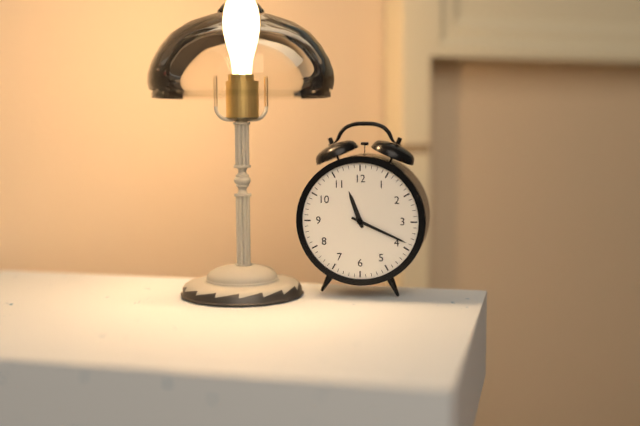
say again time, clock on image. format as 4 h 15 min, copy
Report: 11 h 19 min
